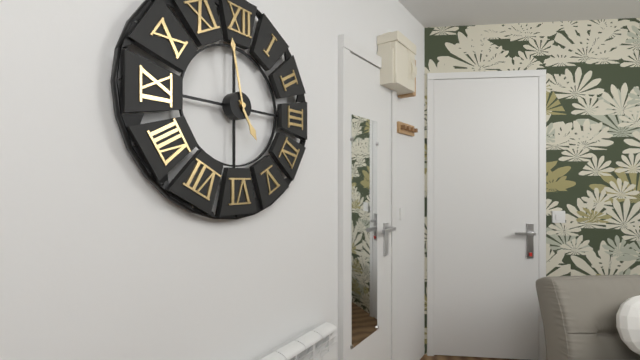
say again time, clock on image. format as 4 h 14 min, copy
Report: 4 h 58 min
